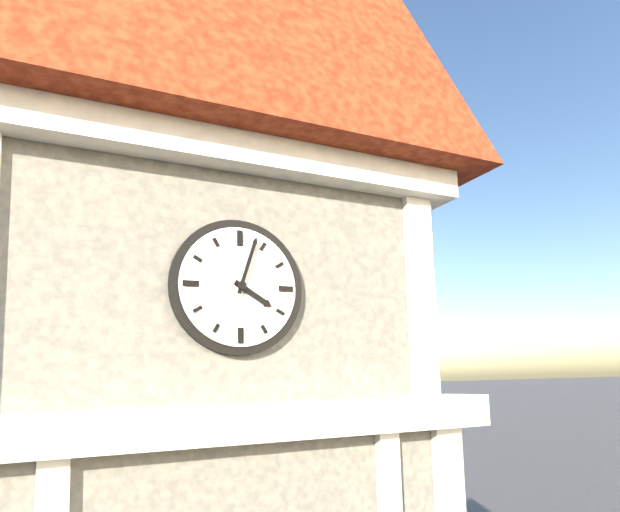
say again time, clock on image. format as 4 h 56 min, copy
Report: 4 h 03 min
